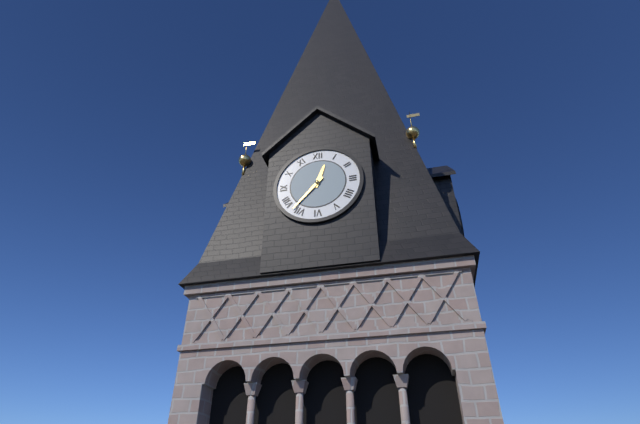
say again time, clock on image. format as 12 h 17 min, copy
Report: 12 h 37 min
